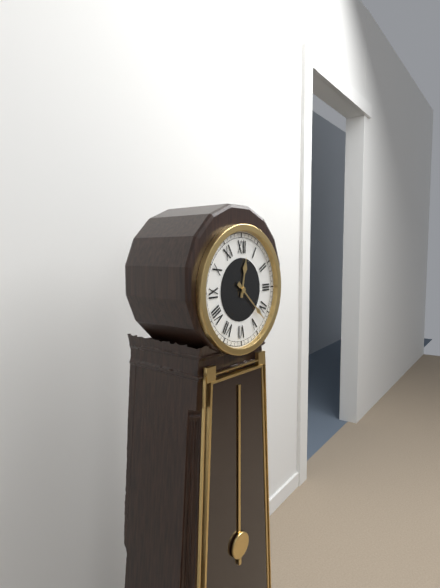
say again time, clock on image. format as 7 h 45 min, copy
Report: 12 h 22 min
